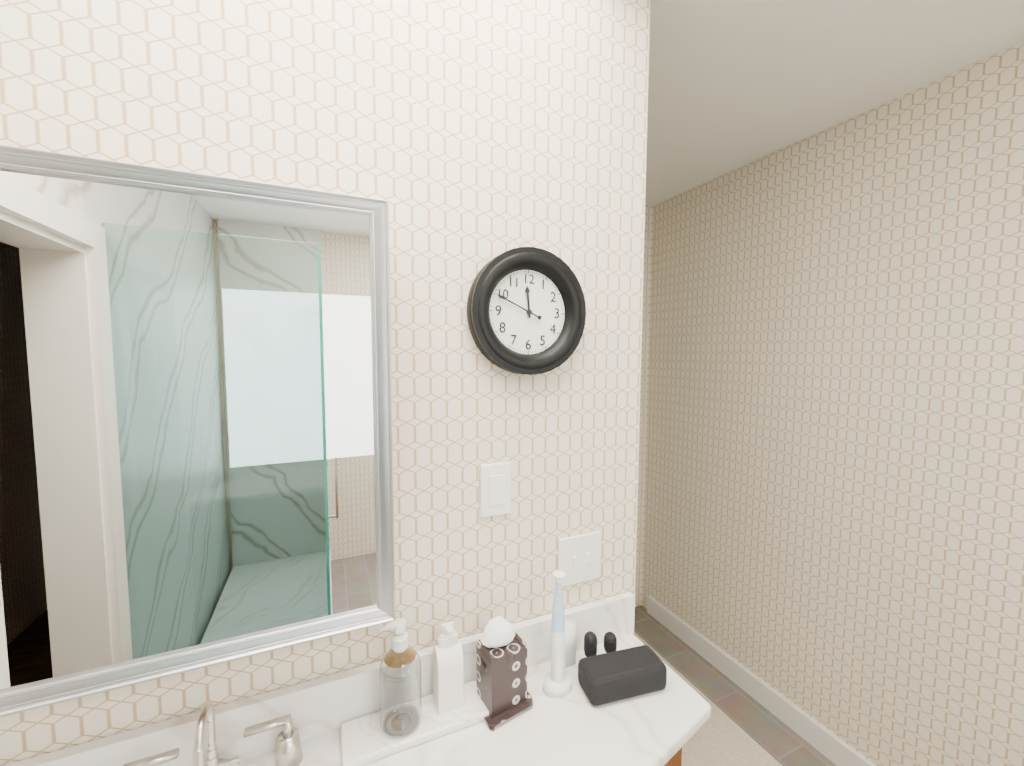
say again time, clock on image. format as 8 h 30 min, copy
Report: 11 h 49 min
